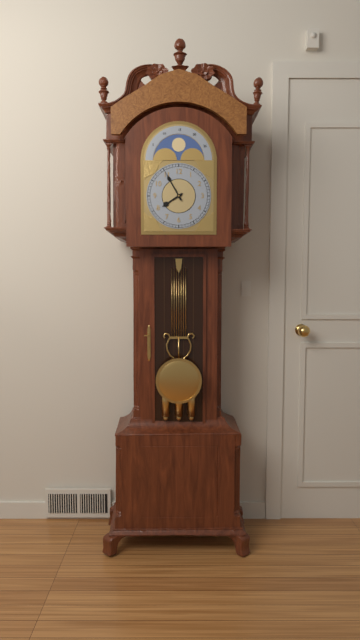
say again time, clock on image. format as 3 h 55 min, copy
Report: 7 h 55 min
